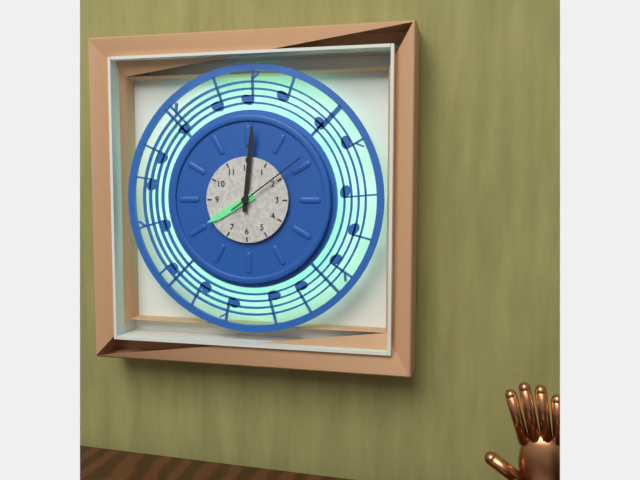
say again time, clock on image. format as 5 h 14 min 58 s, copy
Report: 8 h 01 min 09 s
